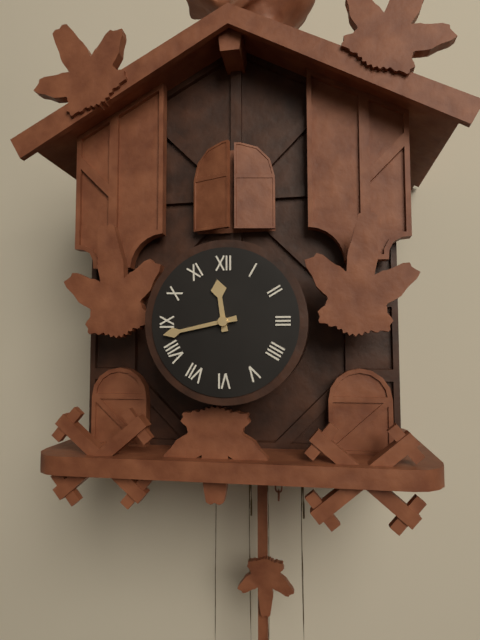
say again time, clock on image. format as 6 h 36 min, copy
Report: 11 h 43 min
